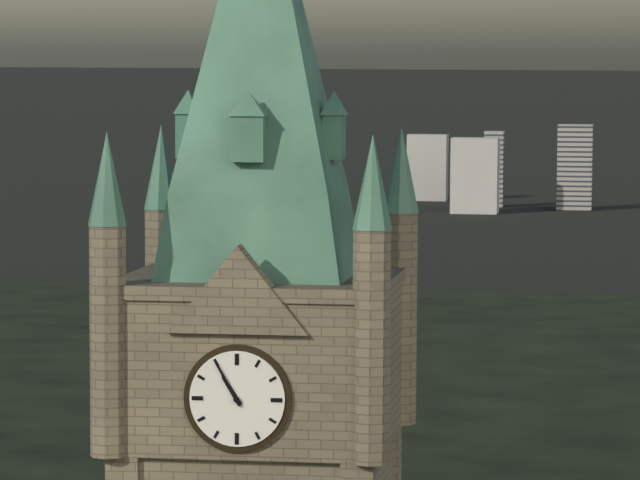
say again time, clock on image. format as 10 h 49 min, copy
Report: 10 h 55 min
